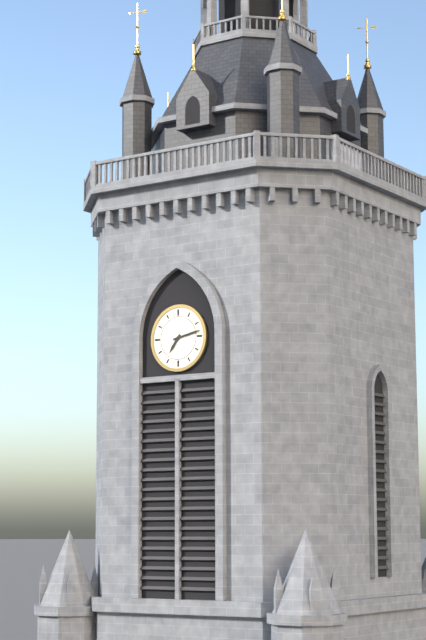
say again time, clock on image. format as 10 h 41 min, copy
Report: 7 h 13 min
